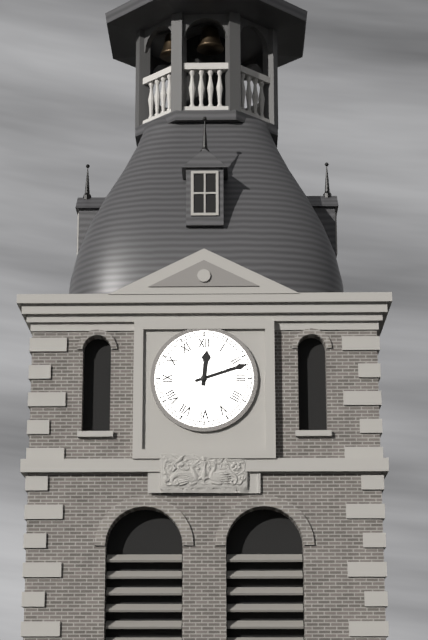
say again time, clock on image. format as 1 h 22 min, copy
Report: 12 h 12 min
